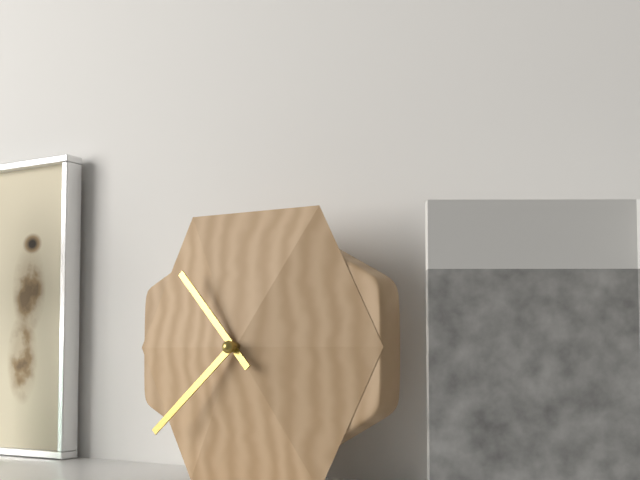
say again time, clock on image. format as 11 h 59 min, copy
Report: 10 h 38 min
